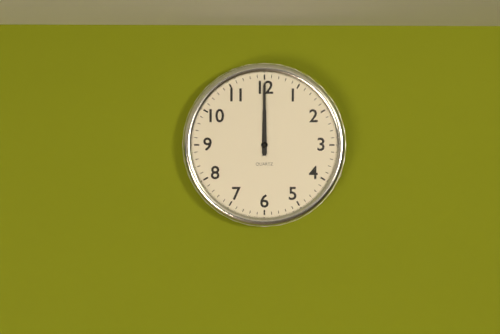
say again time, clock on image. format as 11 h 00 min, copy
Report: 12 h 00 min
